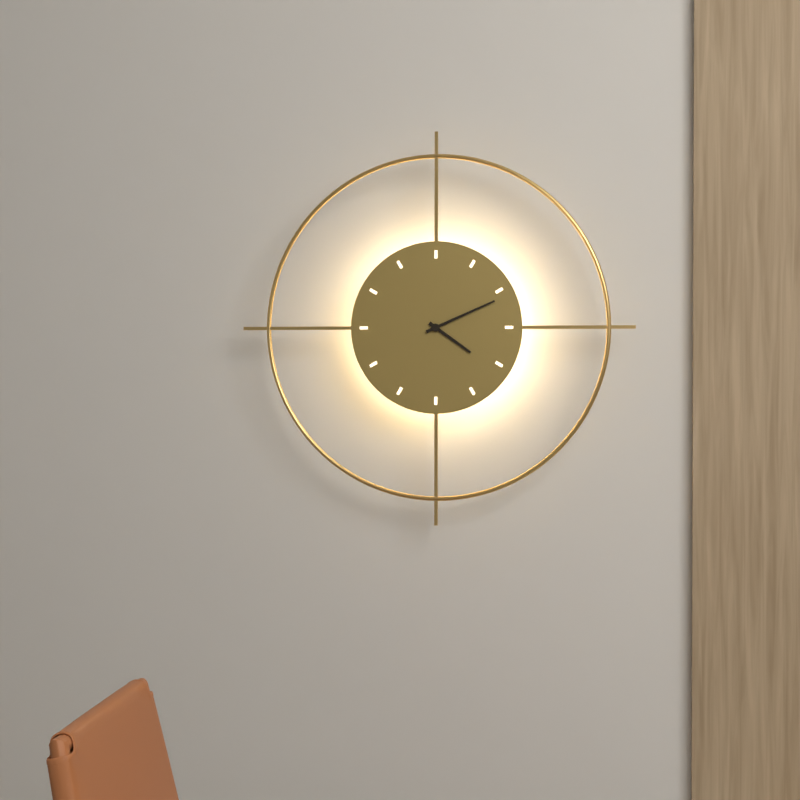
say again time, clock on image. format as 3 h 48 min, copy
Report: 4 h 11 min
